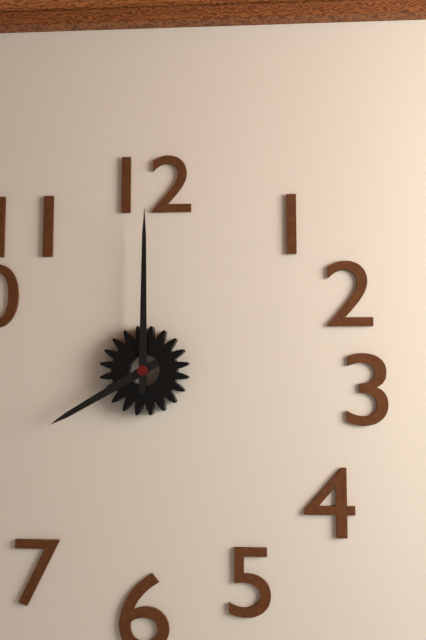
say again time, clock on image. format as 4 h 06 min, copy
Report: 8 h 00 min
